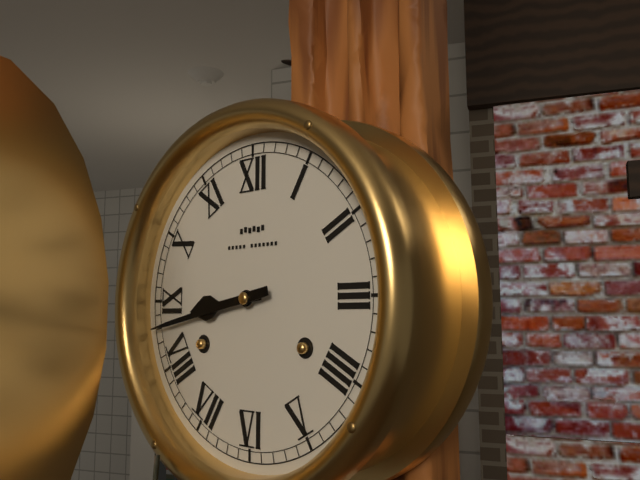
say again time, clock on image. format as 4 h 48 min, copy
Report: 8 h 43 min
